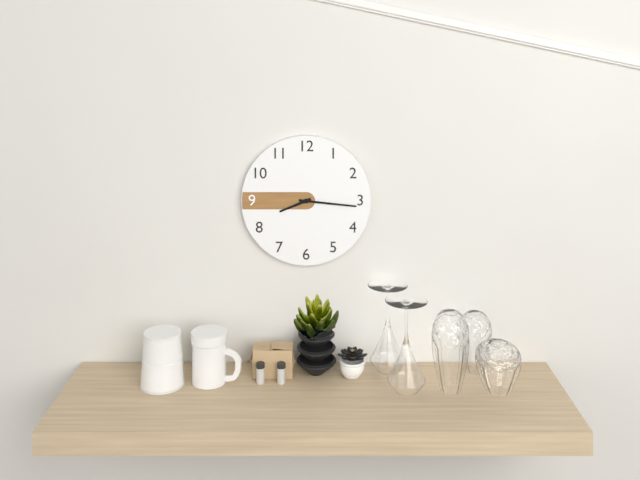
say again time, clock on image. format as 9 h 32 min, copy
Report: 8 h 16 min
